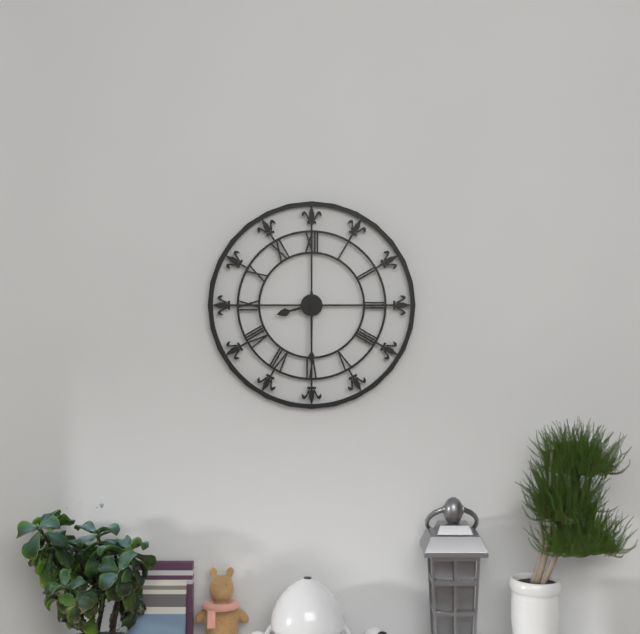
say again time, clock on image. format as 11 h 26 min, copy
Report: 8 h 30 min
